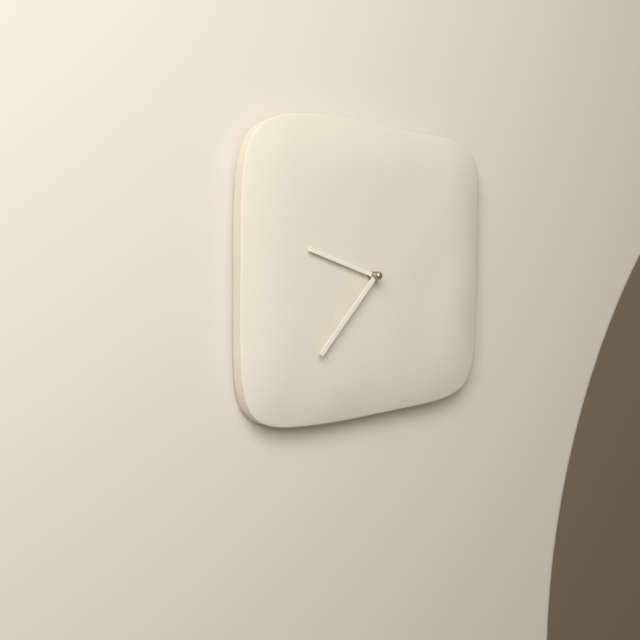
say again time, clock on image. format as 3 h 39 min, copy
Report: 9 h 37 min
